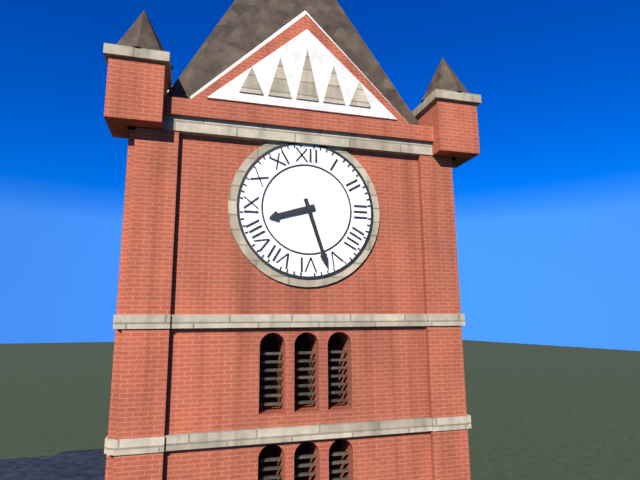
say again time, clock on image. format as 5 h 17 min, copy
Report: 8 h 27 min
